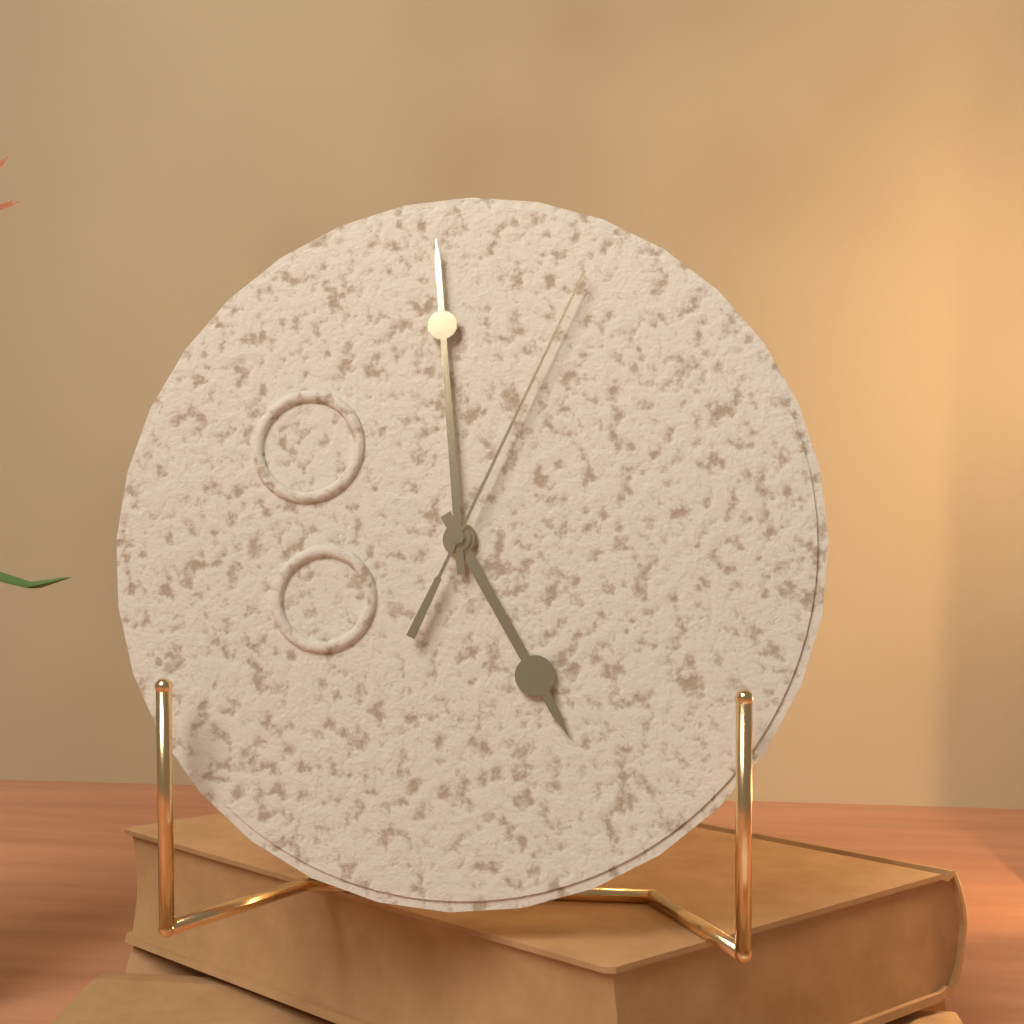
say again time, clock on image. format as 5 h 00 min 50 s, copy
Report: 4 h 59 min 04 s
